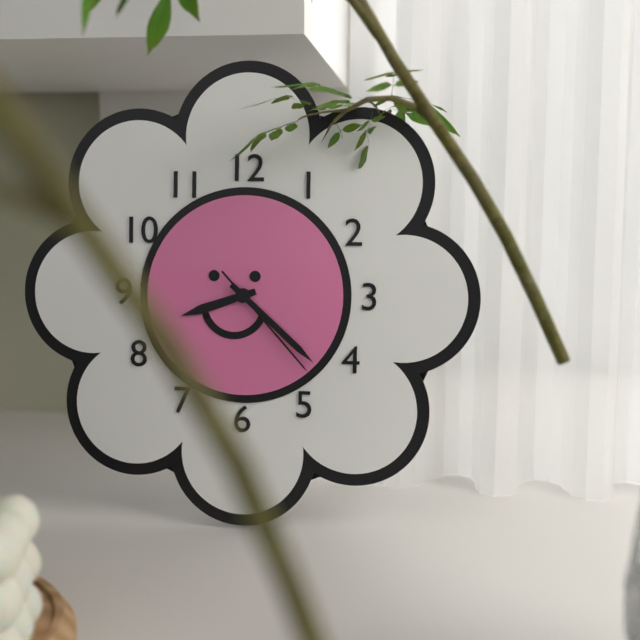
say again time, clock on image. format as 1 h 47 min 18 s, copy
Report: 8 h 22 min 23 s
